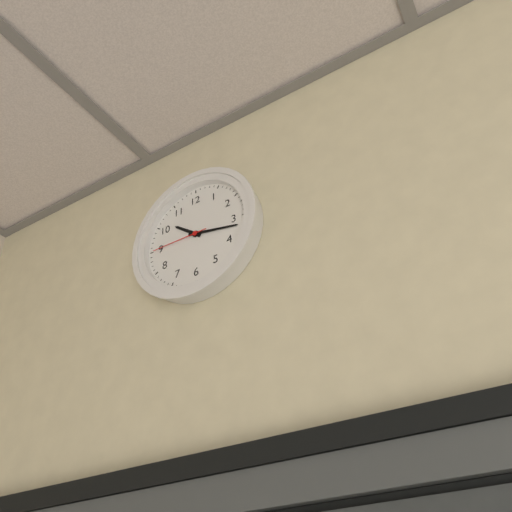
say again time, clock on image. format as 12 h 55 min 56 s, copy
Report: 10 h 17 min 45 s
